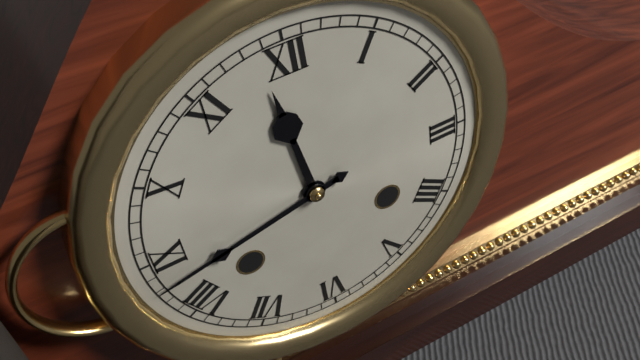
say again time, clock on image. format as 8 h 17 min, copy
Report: 11 h 43 min
